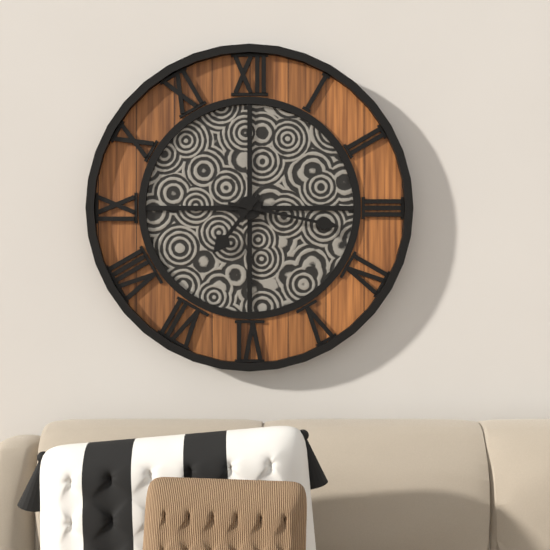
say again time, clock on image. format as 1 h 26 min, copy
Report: 7 h 17 min
